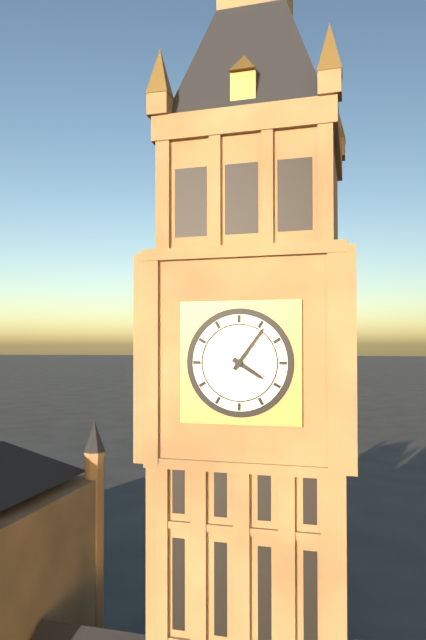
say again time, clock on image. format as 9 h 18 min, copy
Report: 4 h 06 min
